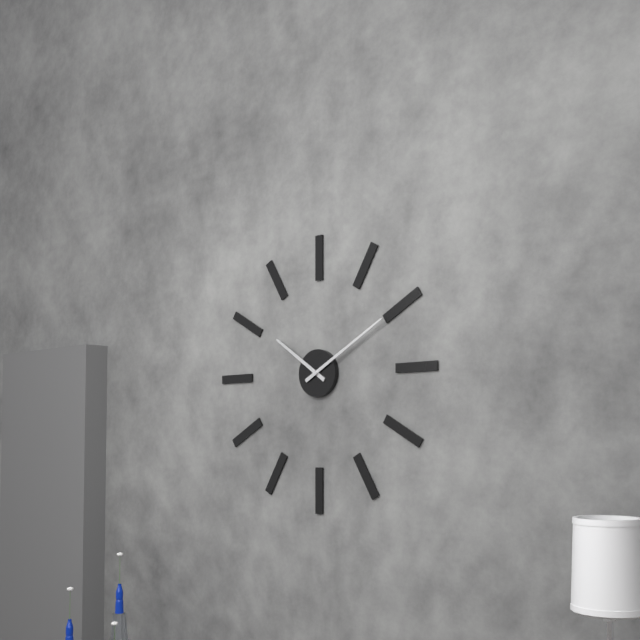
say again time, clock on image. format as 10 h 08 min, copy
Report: 10 h 10 min
